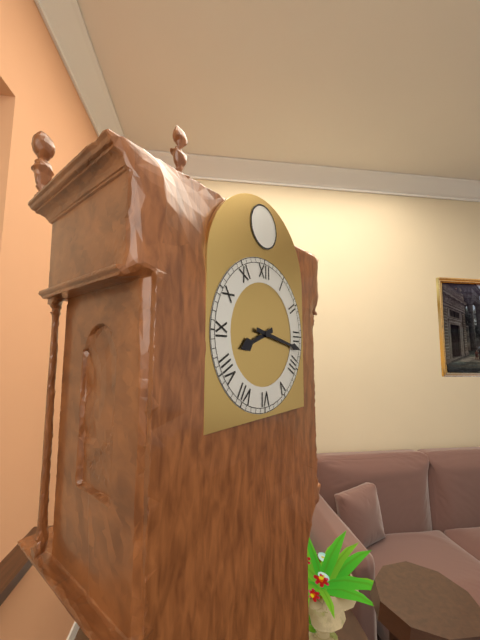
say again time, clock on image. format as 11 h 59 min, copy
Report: 8 h 17 min
